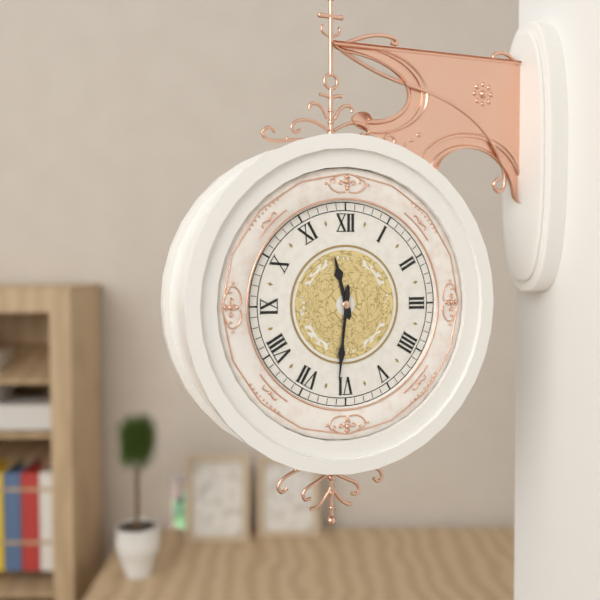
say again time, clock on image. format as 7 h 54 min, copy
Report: 11 h 31 min
